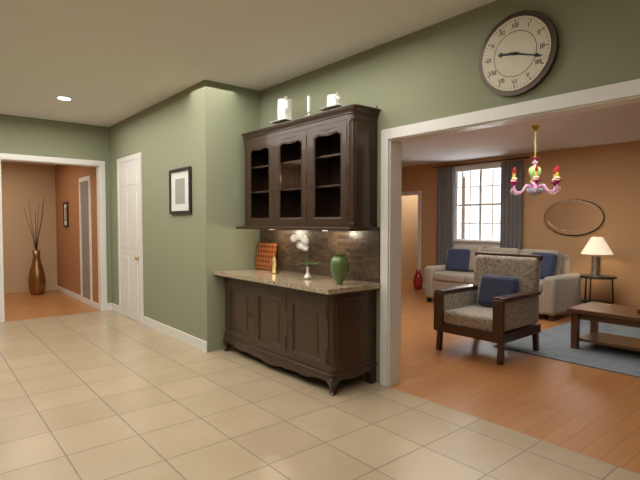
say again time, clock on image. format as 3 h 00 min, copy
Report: 9 h 18 min
